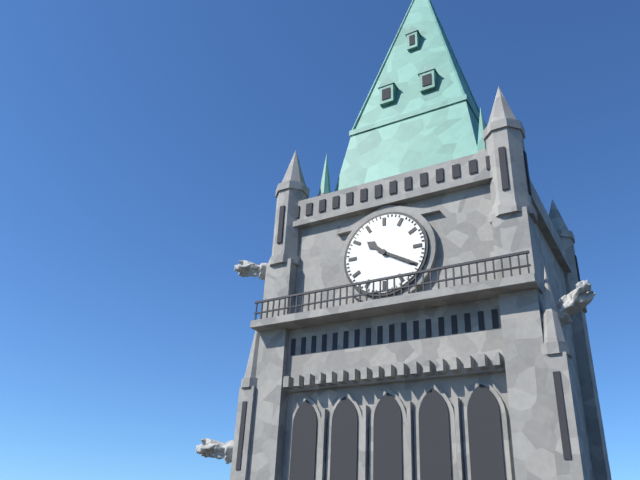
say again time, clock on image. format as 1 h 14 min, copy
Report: 10 h 20 min
